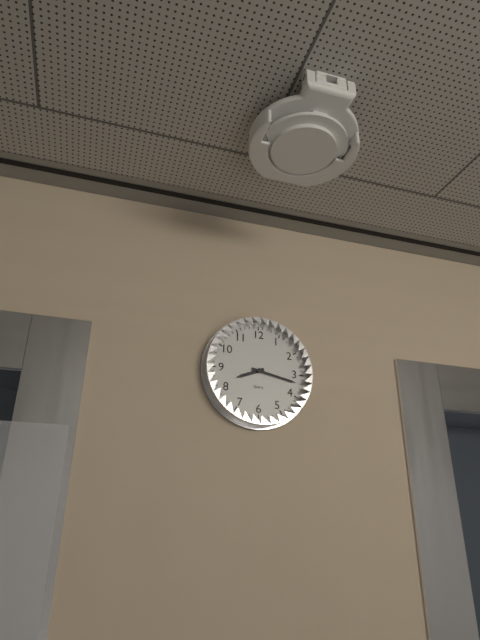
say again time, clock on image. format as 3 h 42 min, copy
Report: 8 h 17 min
